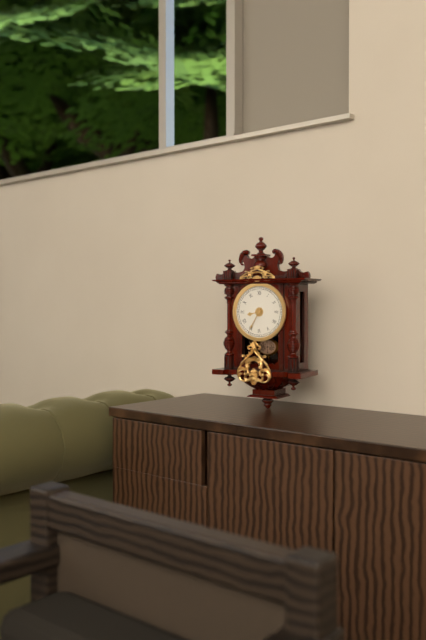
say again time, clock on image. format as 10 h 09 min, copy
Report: 8 h 35 min
